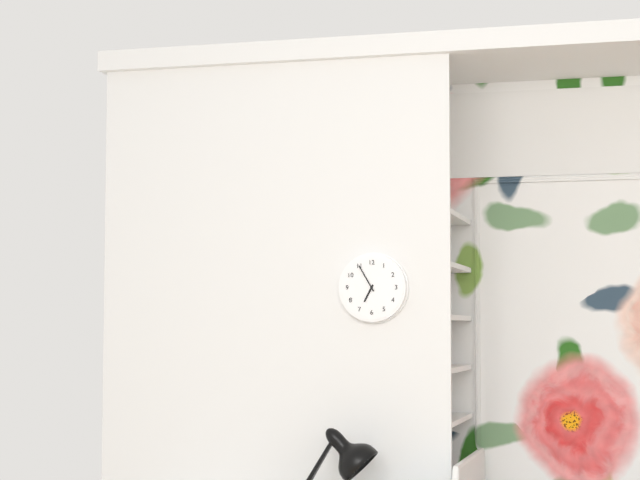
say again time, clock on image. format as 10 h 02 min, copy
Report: 6 h 55 min
